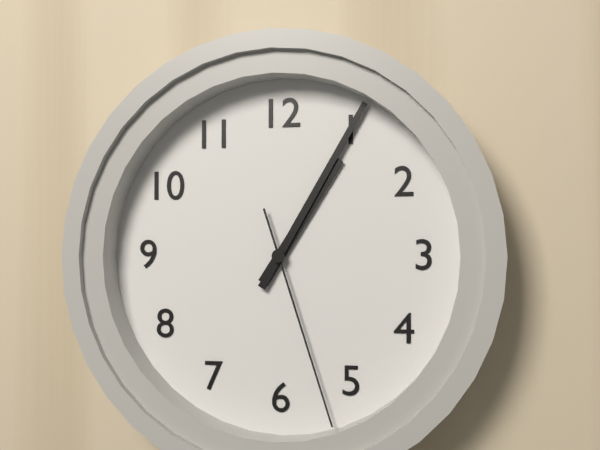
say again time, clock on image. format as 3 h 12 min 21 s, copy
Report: 1 h 05 min 27 s
